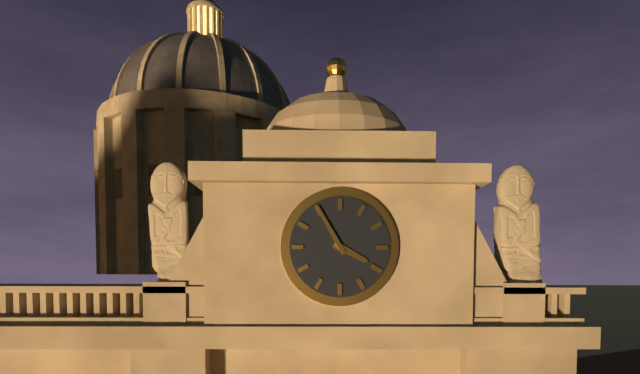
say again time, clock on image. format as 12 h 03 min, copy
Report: 3 h 55 min
